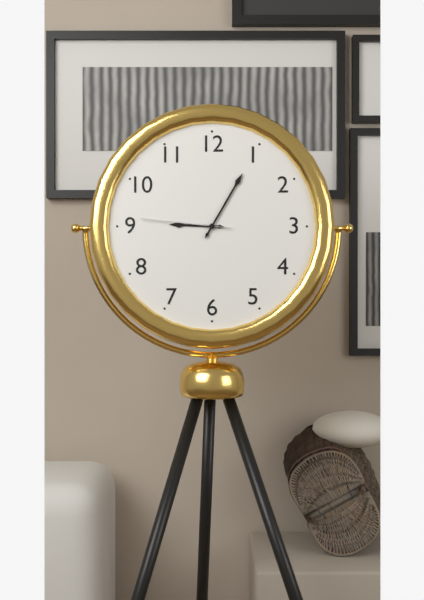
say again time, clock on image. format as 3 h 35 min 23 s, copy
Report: 9 h 05 min 46 s
